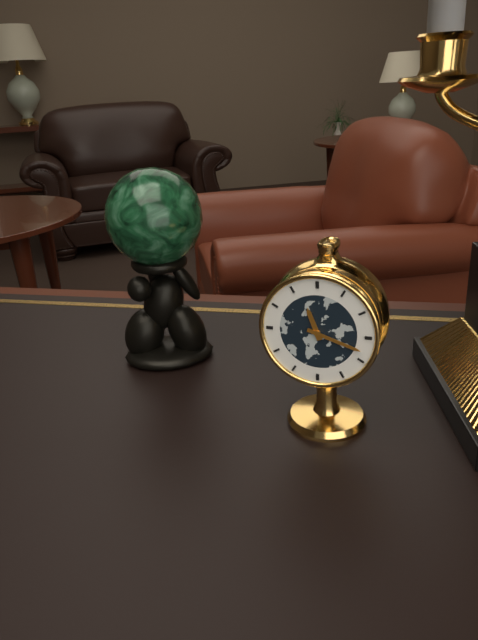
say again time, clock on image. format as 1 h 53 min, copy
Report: 11 h 18 min
